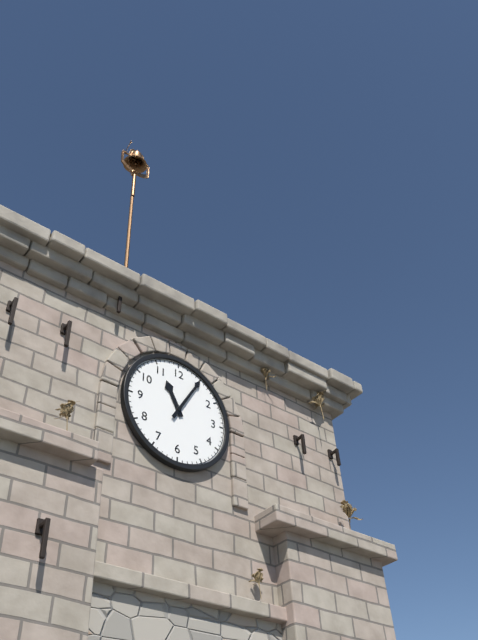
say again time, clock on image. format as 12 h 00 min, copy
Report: 11 h 05 min
